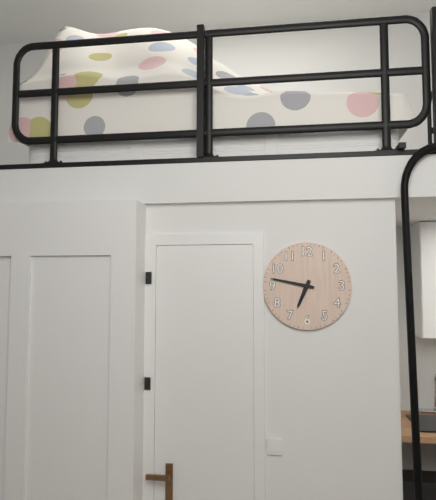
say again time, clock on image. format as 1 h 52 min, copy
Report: 6 h 47 min
